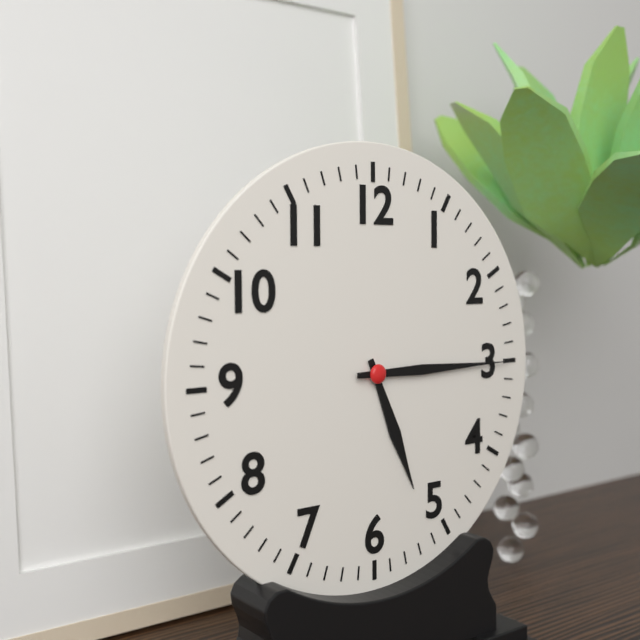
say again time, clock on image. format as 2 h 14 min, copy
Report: 5 h 15 min
